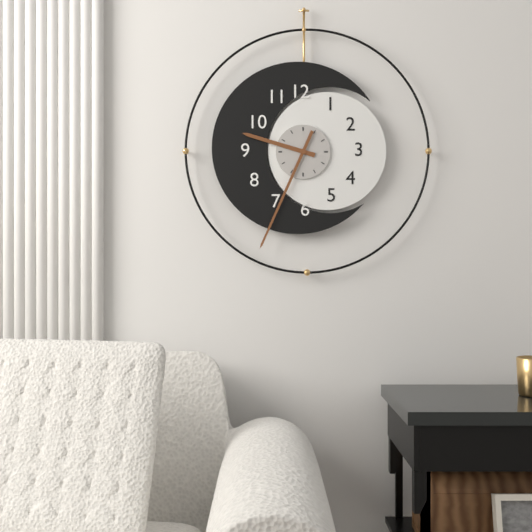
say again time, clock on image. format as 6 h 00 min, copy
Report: 9 h 34 min
